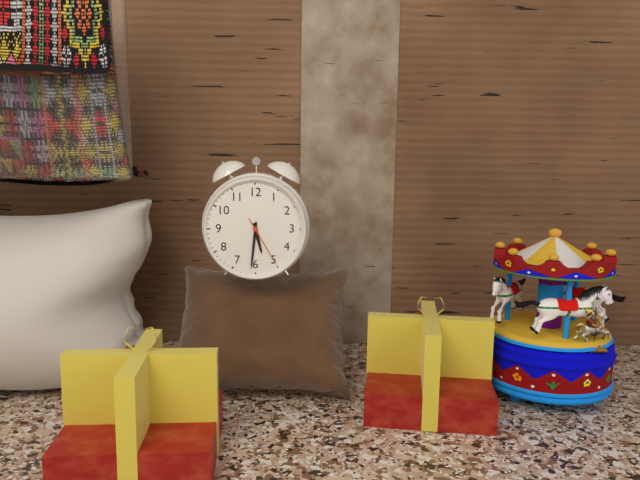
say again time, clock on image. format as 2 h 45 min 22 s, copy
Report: 5 h 31 min 25 s
